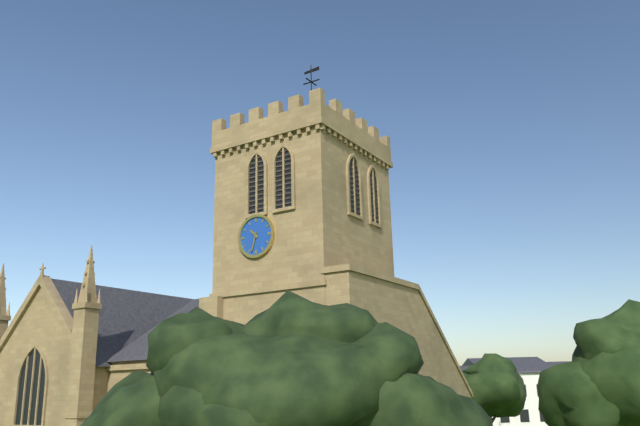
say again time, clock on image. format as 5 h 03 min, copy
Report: 10 h 33 min
